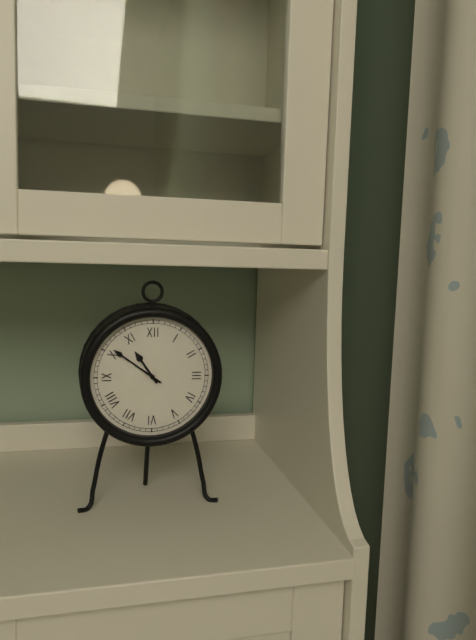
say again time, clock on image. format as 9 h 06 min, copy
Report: 10 h 51 min
